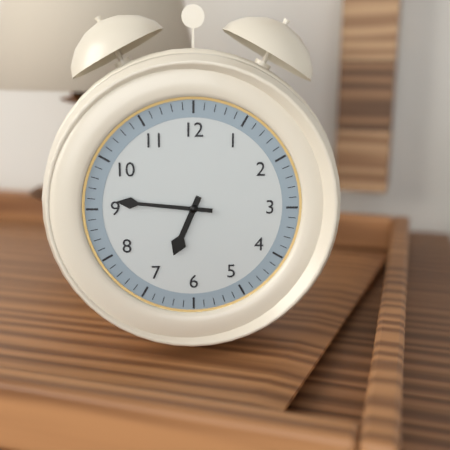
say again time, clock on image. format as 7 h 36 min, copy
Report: 6 h 46 min
